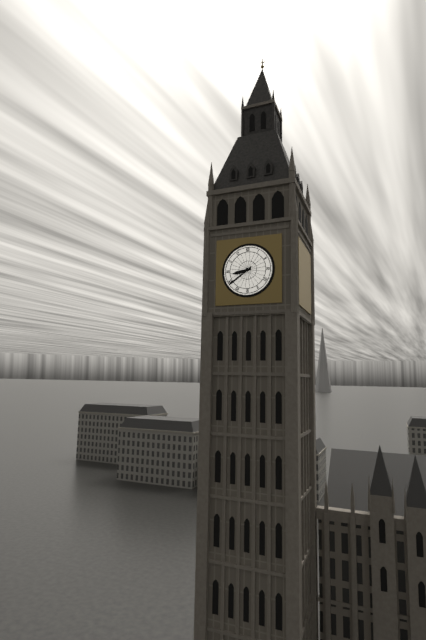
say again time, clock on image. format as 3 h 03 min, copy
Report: 8 h 39 min
